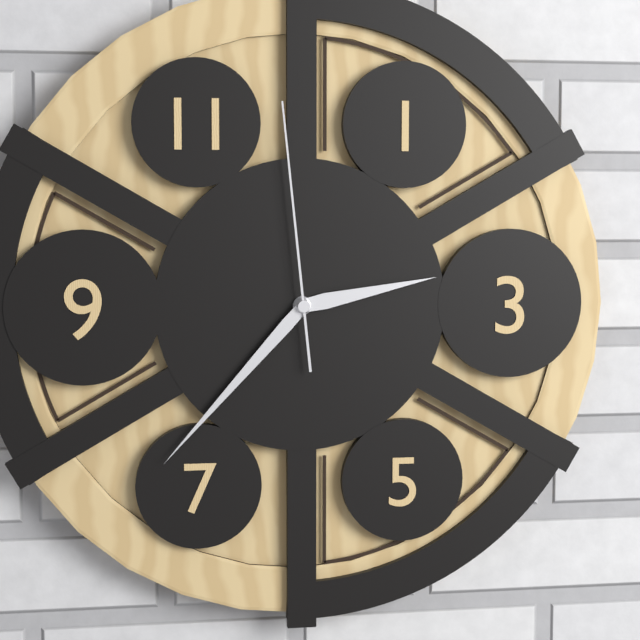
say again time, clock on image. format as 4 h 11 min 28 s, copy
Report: 2 h 37 min 59 s
